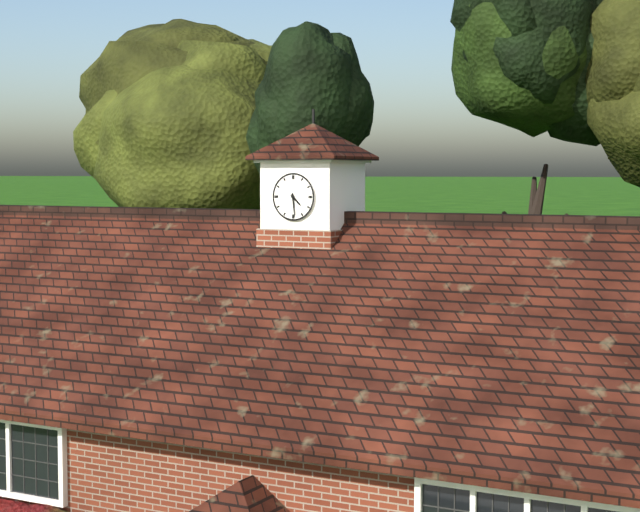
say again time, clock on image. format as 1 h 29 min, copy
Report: 4 h 29 min
